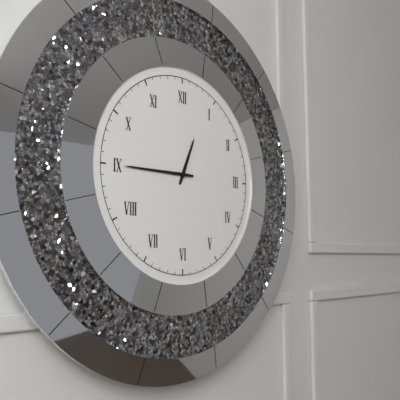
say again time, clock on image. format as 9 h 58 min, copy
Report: 12 h 45 min
